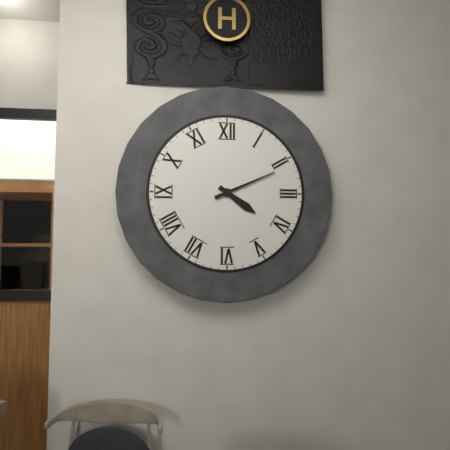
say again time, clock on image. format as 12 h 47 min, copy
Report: 4 h 11 min
